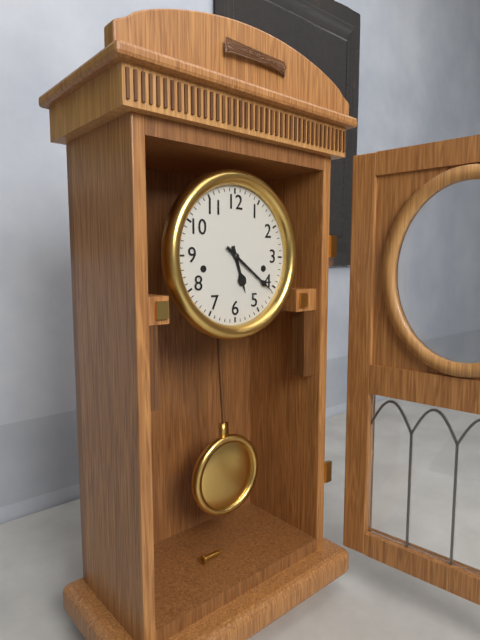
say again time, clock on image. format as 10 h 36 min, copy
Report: 5 h 21 min
